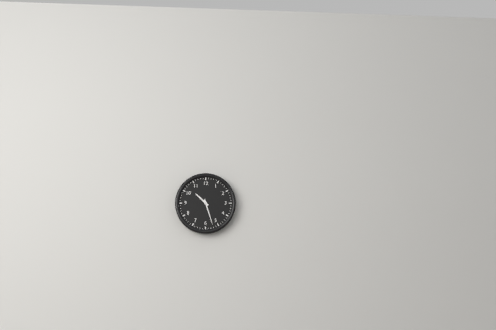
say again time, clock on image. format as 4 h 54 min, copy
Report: 10 h 27 min
